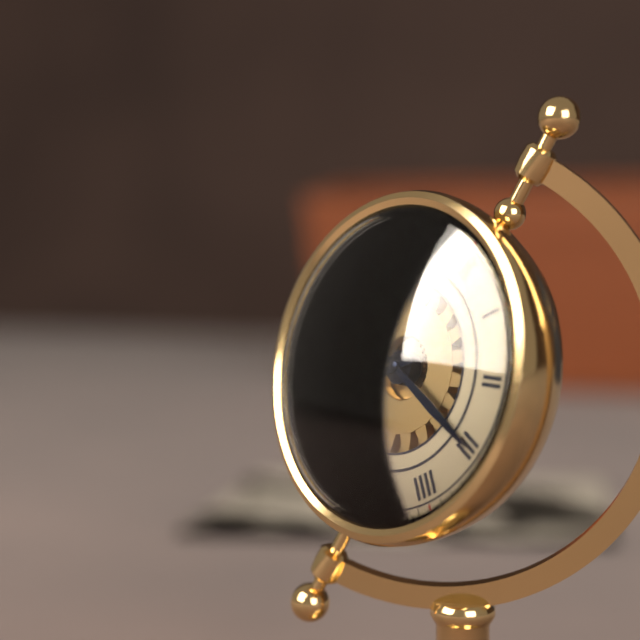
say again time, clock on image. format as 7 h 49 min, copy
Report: 7 h 15 min
